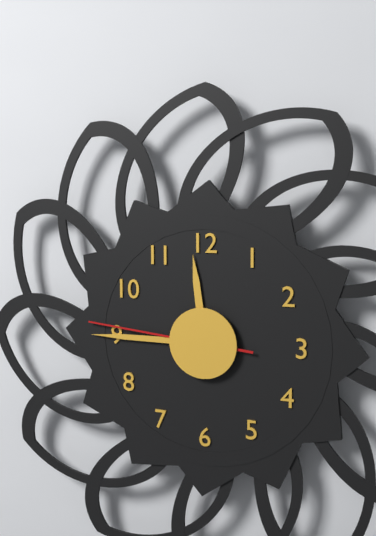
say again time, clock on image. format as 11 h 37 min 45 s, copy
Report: 11 h 45 min 46 s
